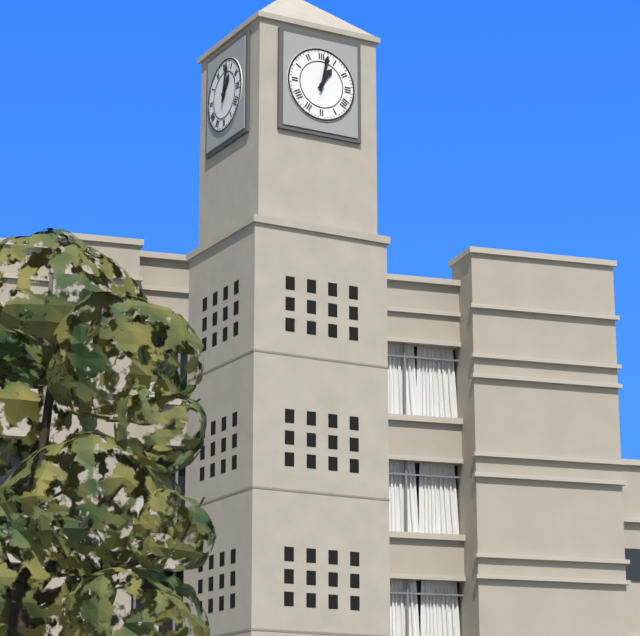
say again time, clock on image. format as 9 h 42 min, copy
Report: 1 h 02 min
